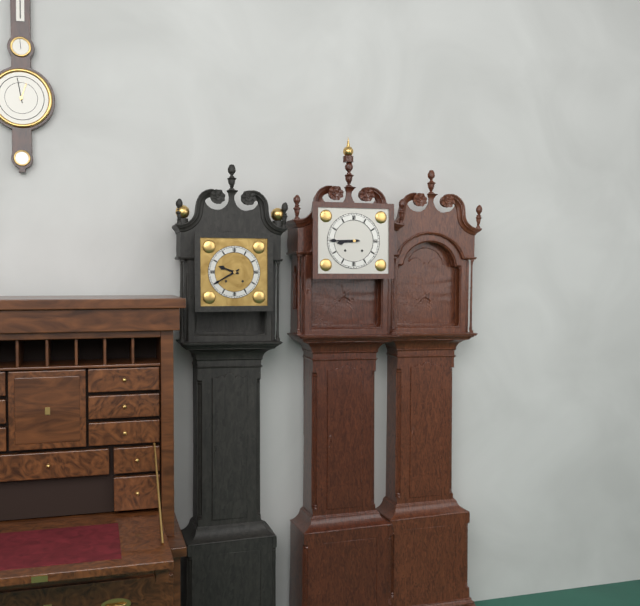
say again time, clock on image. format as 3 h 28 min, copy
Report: 8 h 45 min
